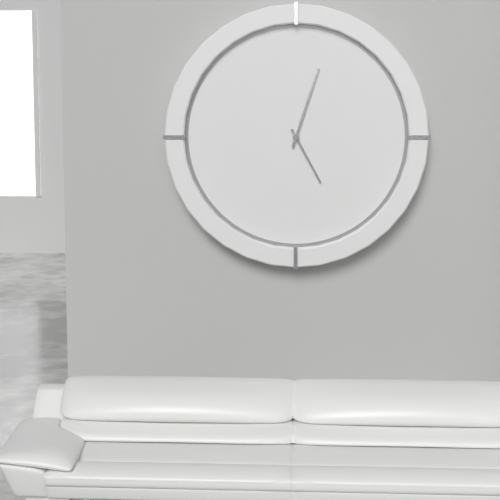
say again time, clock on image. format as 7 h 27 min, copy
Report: 5 h 03 min
